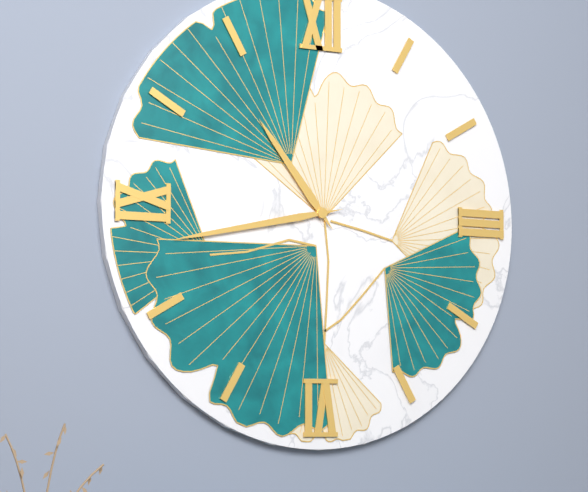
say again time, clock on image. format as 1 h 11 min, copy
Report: 10 h 43 min
